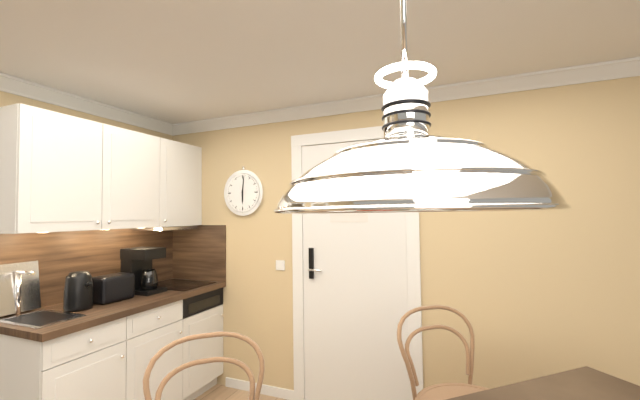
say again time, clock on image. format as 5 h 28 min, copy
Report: 6 h 01 min
